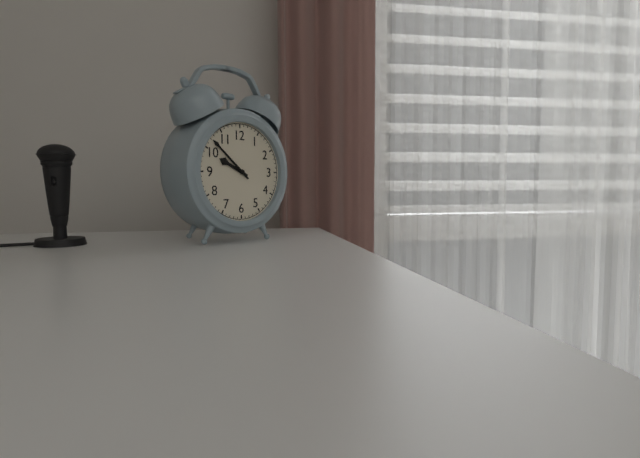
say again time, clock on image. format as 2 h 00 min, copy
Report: 9 h 52 min
